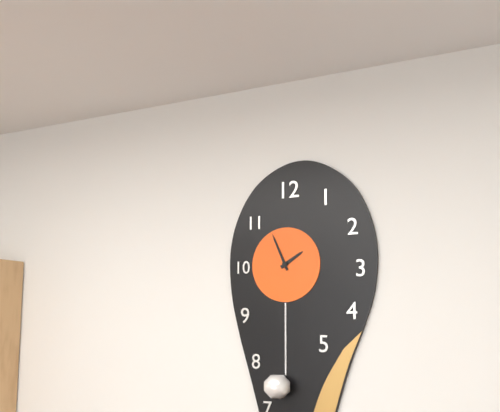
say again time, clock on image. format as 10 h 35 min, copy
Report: 1 h 56 min
